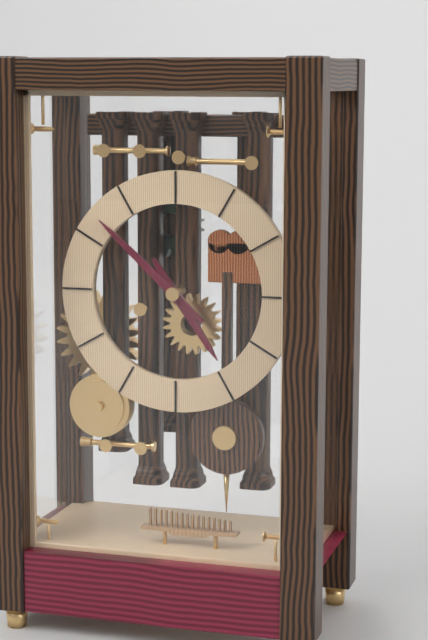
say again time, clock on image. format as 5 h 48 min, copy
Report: 4 h 52 min
